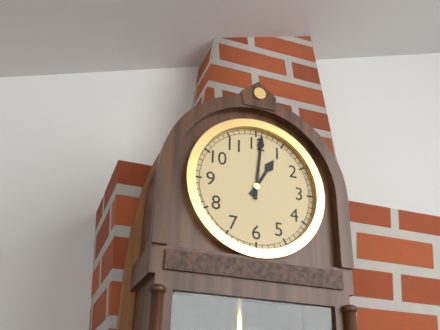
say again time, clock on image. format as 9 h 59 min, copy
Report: 1 h 01 min
